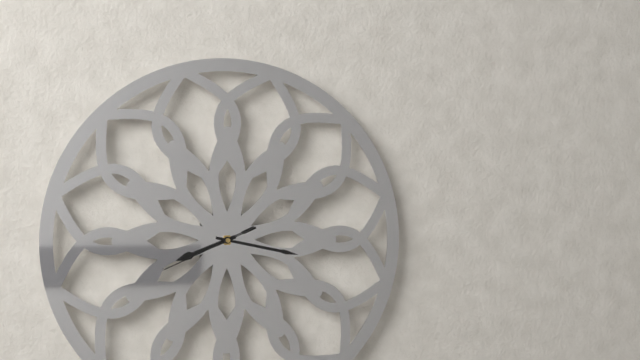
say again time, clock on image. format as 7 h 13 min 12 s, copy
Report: 8 h 17 min 41 s
